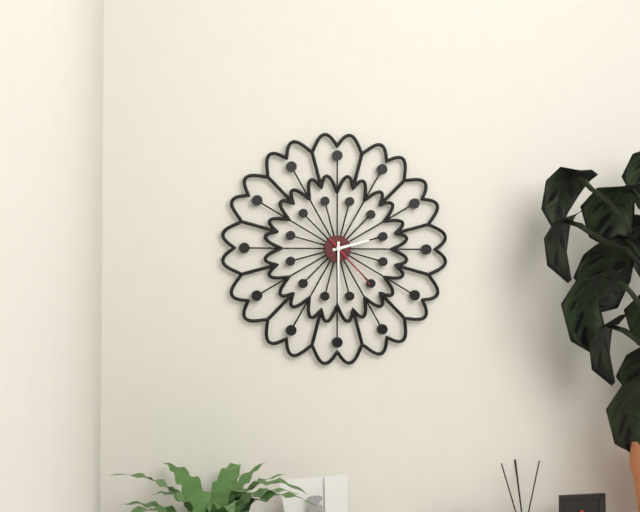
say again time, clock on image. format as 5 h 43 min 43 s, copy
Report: 2 h 30 min 23 s
